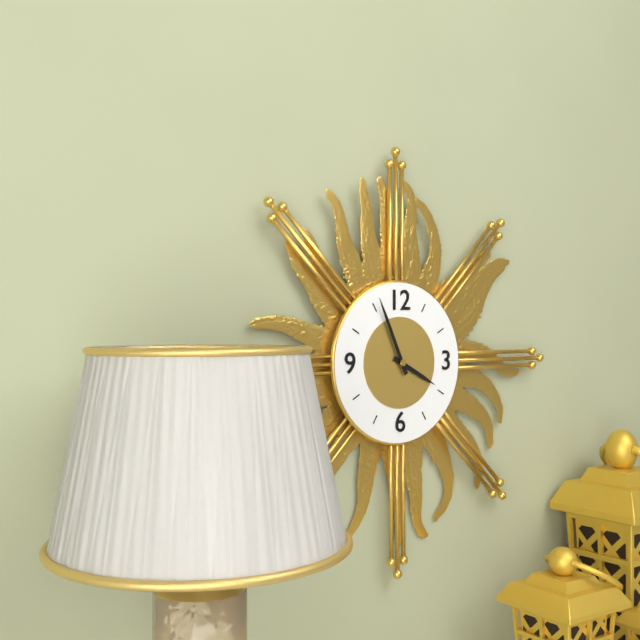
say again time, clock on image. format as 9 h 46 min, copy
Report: 3 h 56 min
